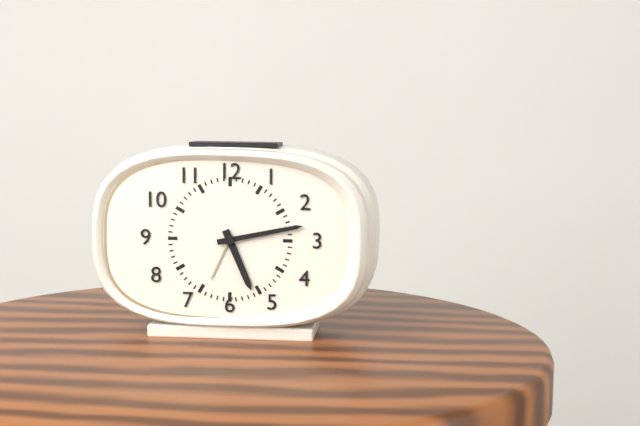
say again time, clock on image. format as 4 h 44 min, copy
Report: 5 h 13 min
